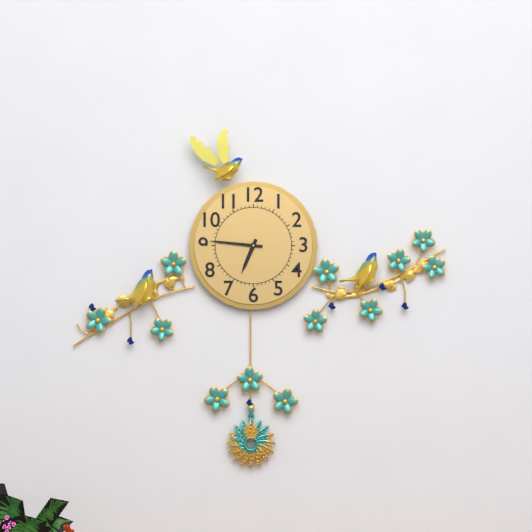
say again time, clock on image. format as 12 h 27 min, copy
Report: 6 h 46 min
